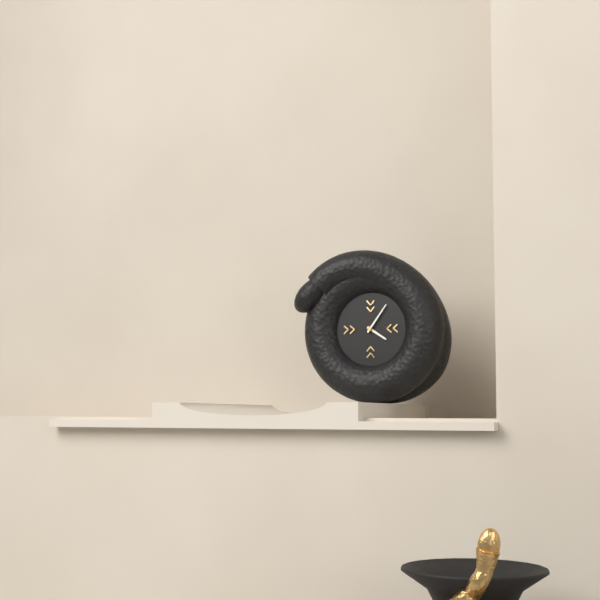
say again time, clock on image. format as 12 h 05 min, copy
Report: 4 h 06 min
